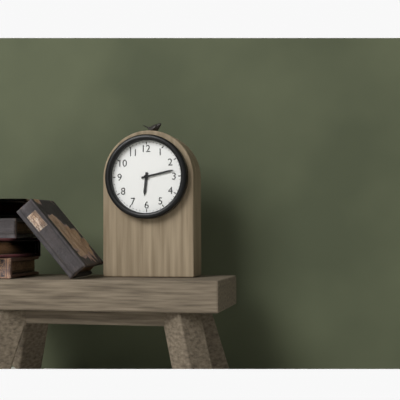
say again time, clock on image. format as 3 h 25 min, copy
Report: 6 h 13 min
